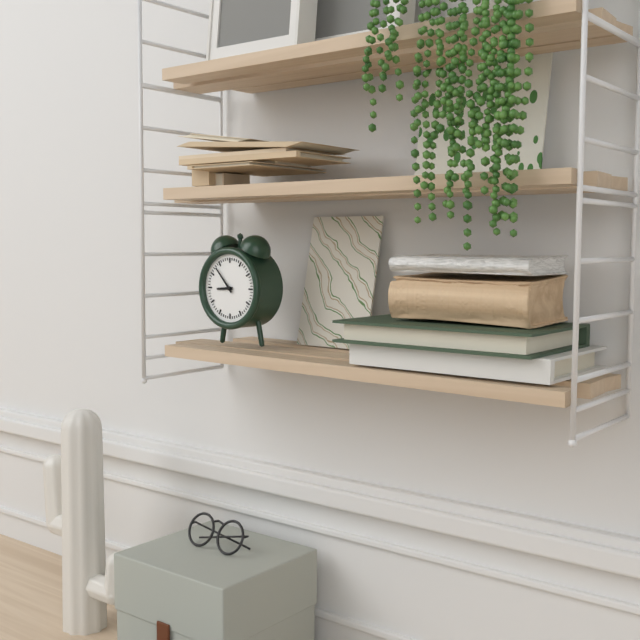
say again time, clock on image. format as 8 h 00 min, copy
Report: 8 h 53 min
